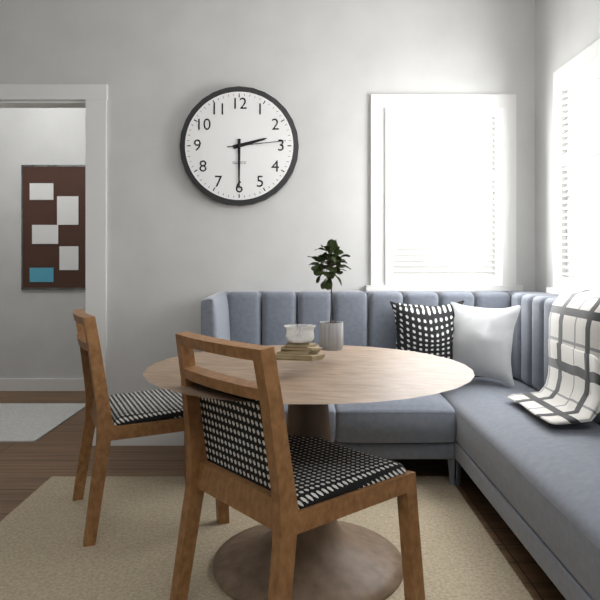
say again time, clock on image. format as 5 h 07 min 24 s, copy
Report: 2 h 30 min 14 s
